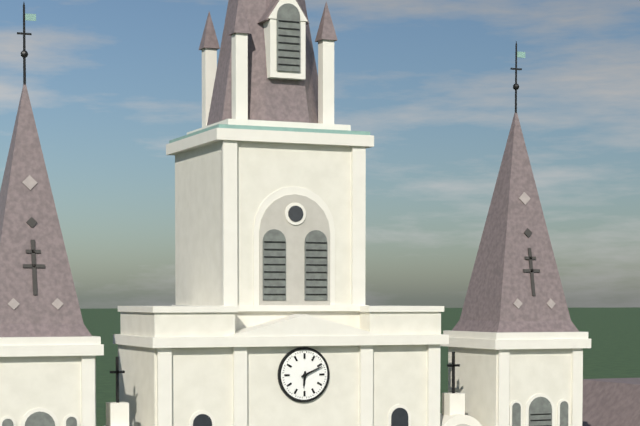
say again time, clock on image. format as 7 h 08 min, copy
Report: 6 h 11 min
